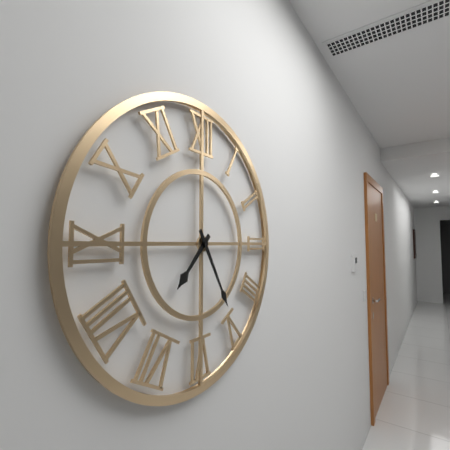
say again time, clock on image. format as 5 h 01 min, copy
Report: 7 h 25 min
